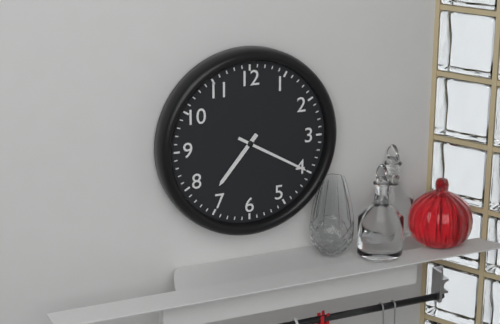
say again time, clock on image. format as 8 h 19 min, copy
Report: 7 h 20 min
